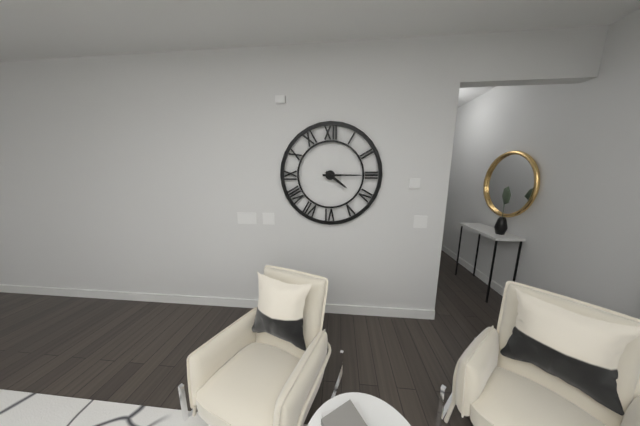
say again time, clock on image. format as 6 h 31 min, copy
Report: 4 h 15 min
